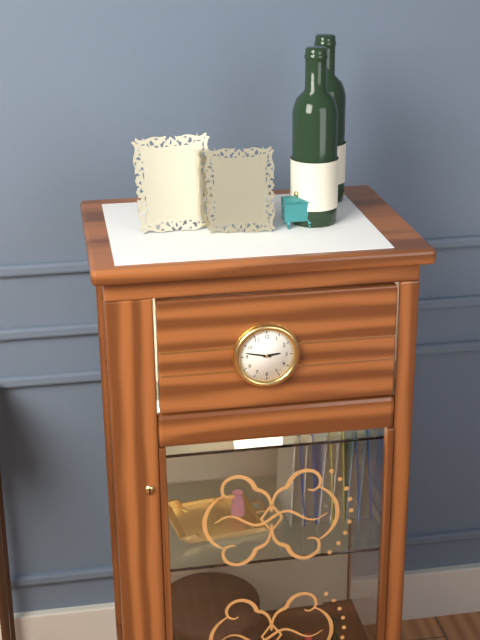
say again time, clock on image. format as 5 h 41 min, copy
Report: 2 h 47 min
